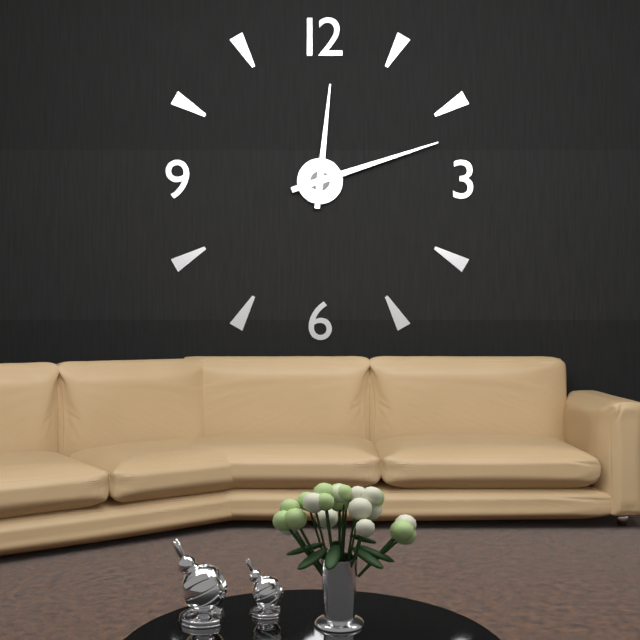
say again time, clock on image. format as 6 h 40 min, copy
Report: 12 h 12 min
